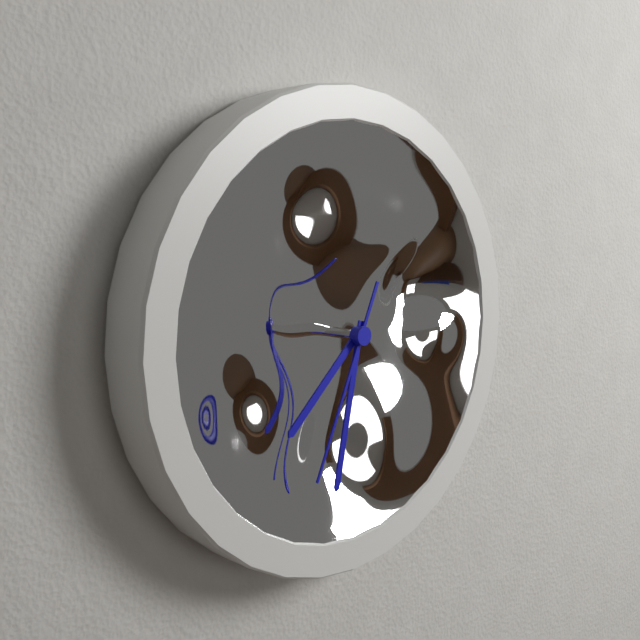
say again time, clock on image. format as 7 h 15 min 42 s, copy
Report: 7 h 32 min 34 s
